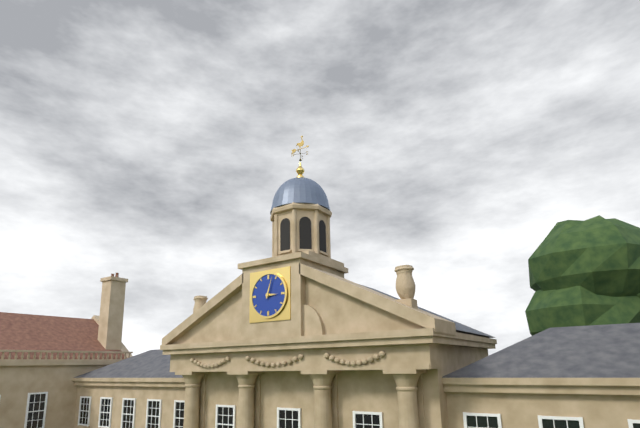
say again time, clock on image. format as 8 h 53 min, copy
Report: 3 h 03 min
